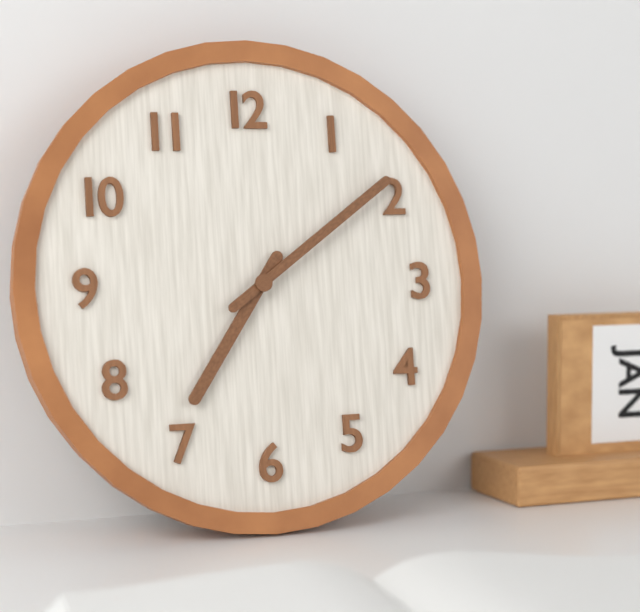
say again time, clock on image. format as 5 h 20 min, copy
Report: 7 h 09 min
